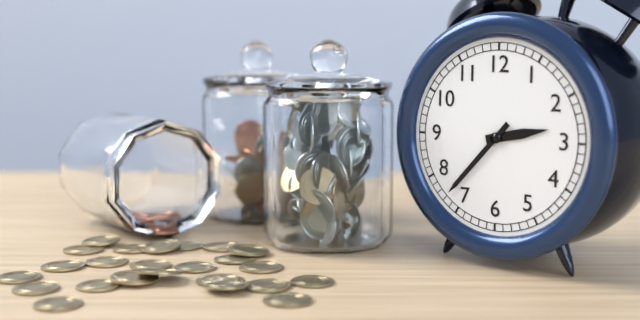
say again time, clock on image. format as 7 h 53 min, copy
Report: 2 h 37 min
